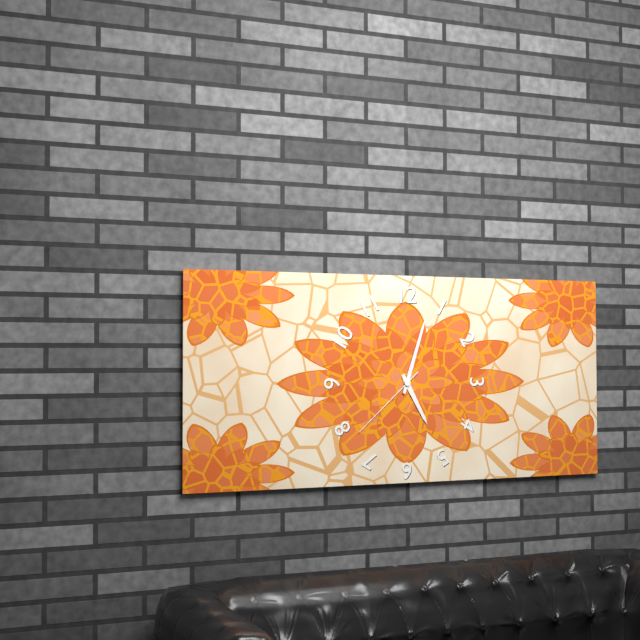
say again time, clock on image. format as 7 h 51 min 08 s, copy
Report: 5 h 03 min 38 s
